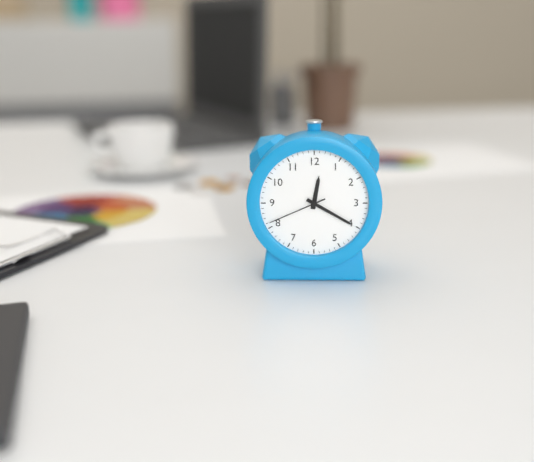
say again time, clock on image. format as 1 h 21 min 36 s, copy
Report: 12 h 20 min 41 s
